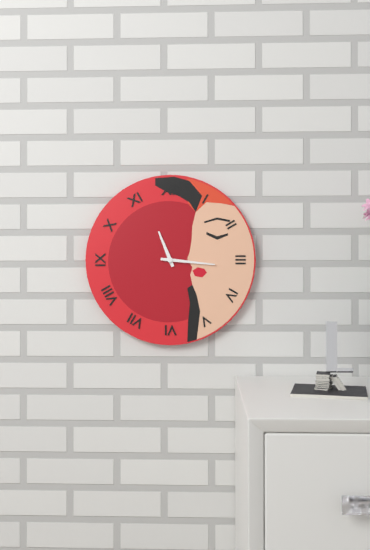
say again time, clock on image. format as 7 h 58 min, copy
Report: 11 h 16 min
